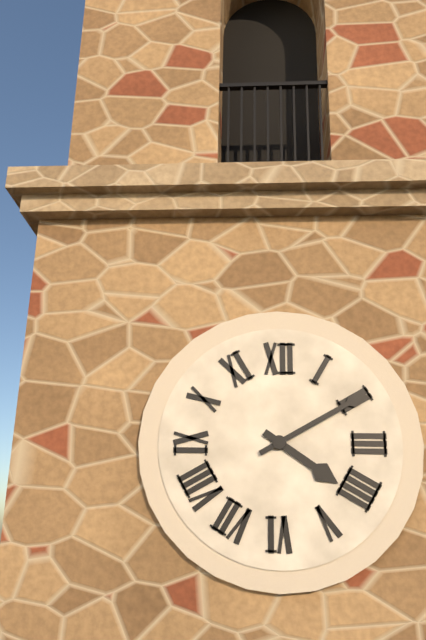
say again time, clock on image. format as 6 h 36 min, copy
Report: 4 h 10 min
